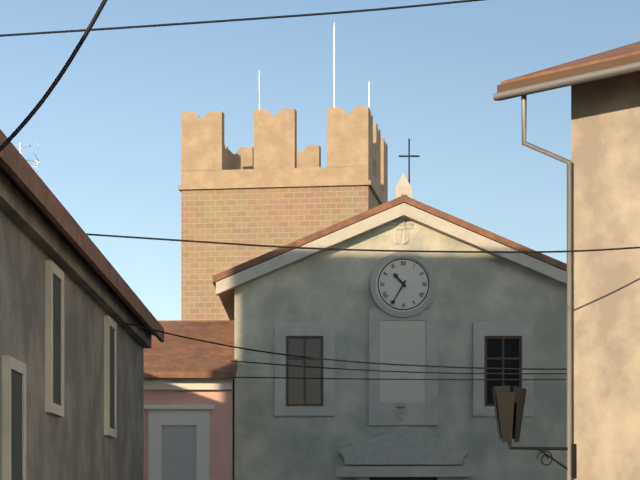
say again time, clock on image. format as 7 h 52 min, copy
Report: 10 h 35 min
